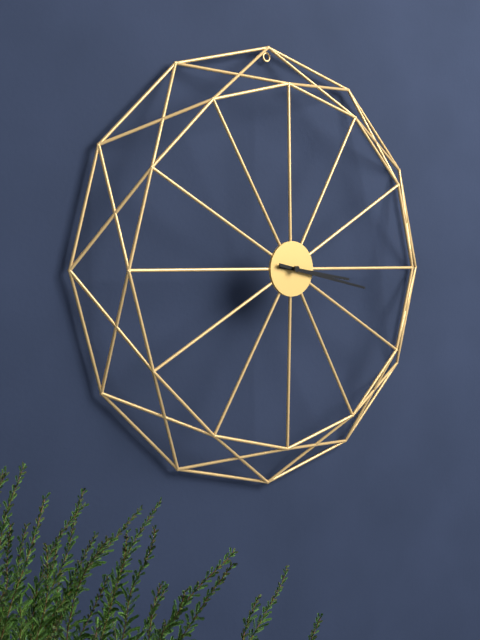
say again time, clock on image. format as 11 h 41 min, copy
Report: 3 h 17 min
